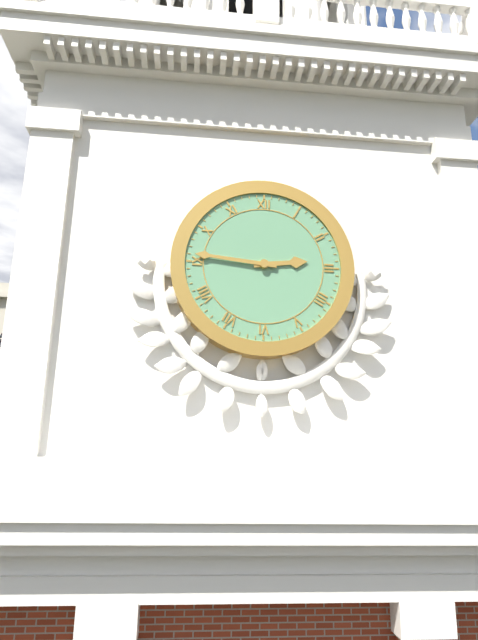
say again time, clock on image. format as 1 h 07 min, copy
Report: 2 h 46 min
